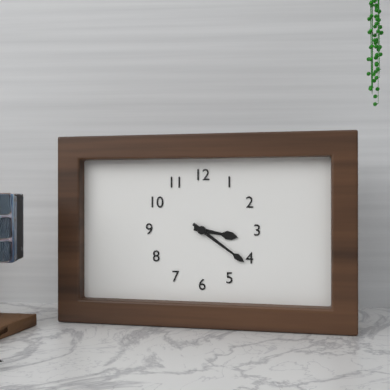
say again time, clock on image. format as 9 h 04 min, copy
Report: 3 h 21 min
